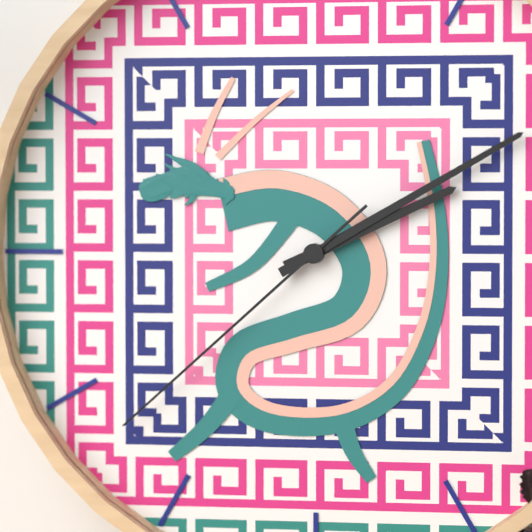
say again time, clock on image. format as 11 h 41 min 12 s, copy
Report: 2 h 10 min 38 s
